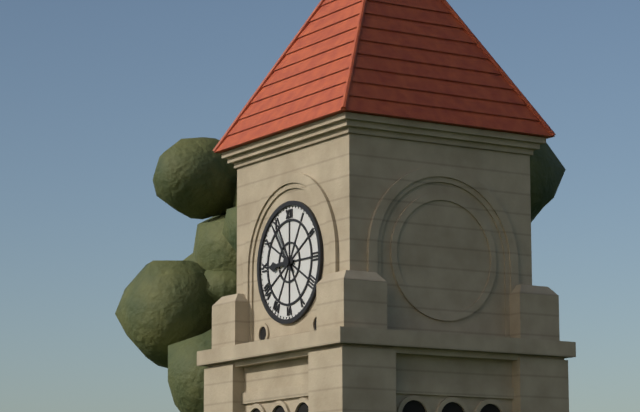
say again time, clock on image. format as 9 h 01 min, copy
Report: 8 h 54 min
